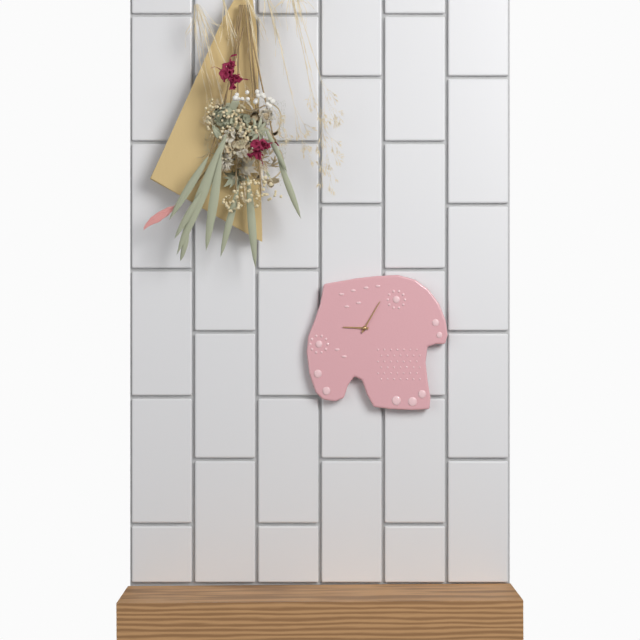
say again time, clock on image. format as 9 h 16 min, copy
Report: 9 h 05 min
